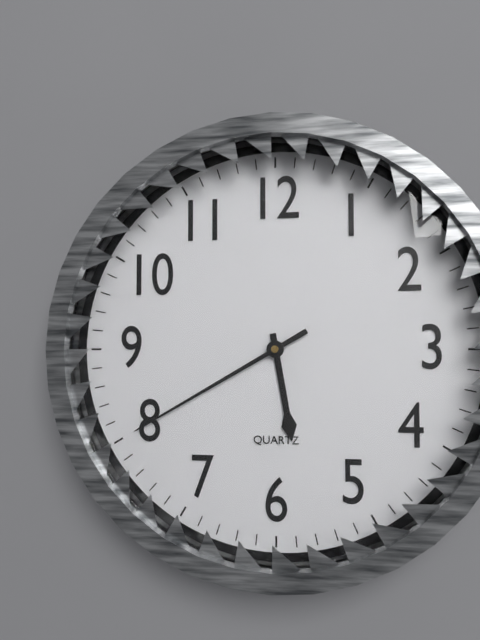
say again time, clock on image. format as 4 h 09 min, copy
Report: 5 h 40 min
